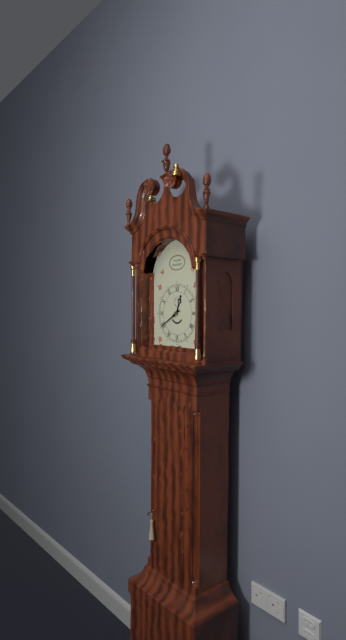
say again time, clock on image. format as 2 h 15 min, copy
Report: 12 h 40 min
